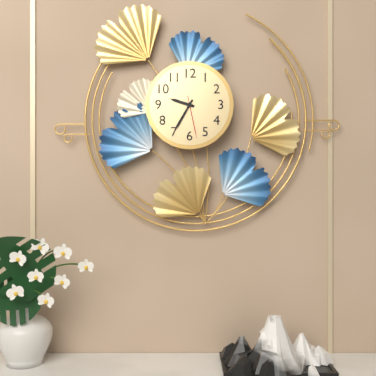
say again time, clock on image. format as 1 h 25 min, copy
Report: 9 h 35 min
